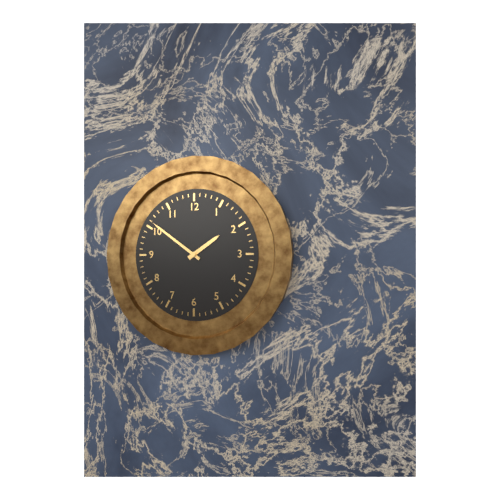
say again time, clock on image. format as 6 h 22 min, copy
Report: 1 h 51 min
